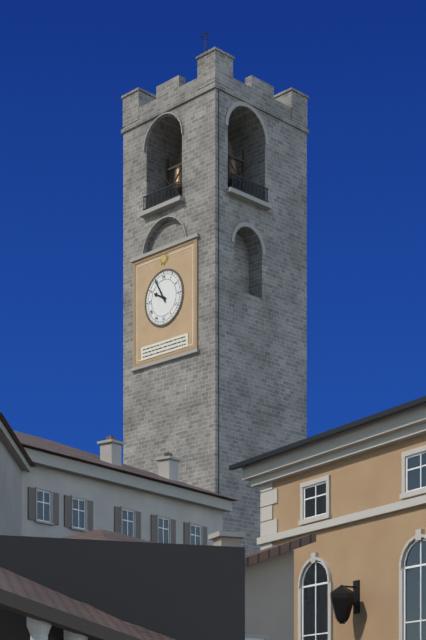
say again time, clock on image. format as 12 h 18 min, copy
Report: 9 h 55 min
